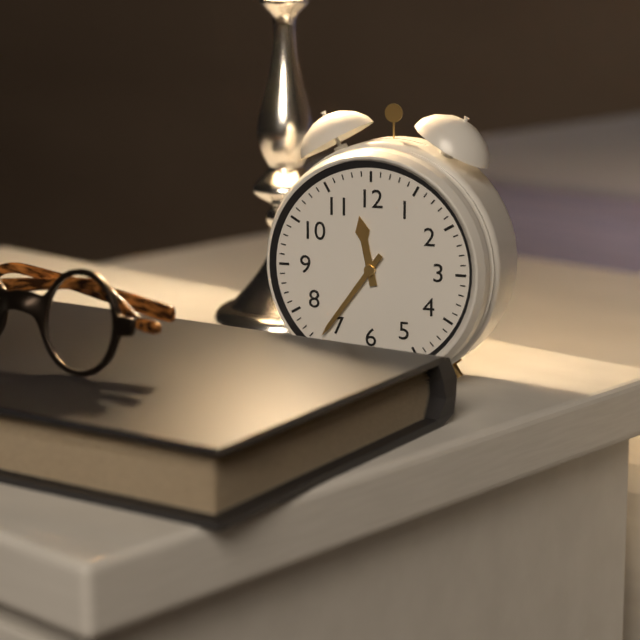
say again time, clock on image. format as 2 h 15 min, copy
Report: 11 h 36 min
